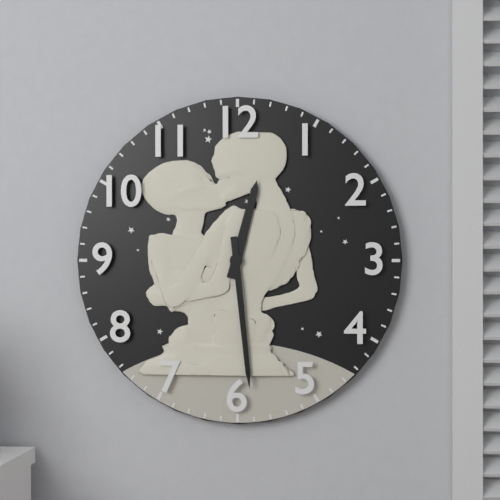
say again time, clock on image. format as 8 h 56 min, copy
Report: 12 h 29 min
